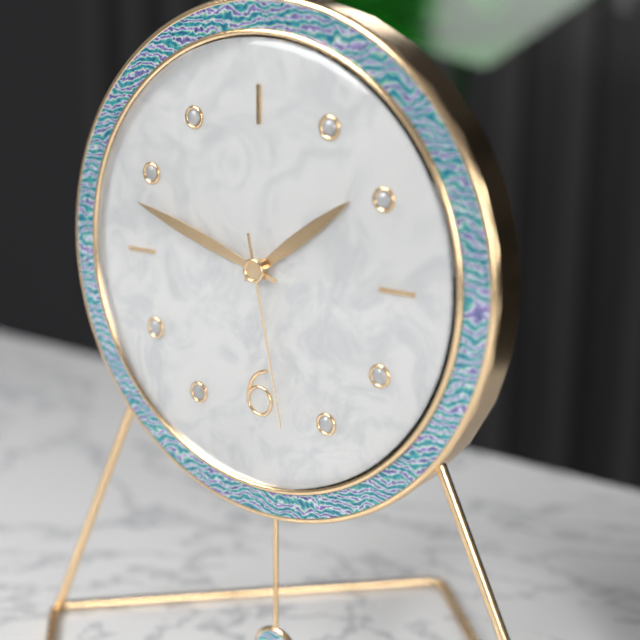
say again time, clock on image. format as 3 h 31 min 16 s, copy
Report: 1 h 48 min 28 s
